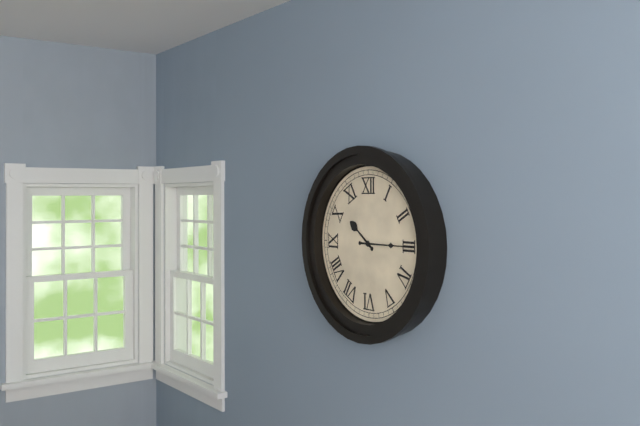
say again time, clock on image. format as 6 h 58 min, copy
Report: 10 h 15 min
